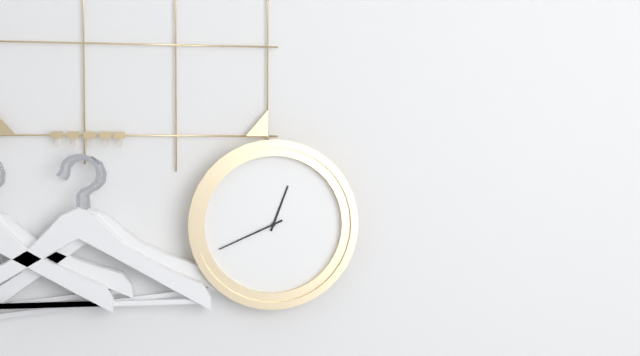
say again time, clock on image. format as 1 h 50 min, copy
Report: 12 h 41 min
